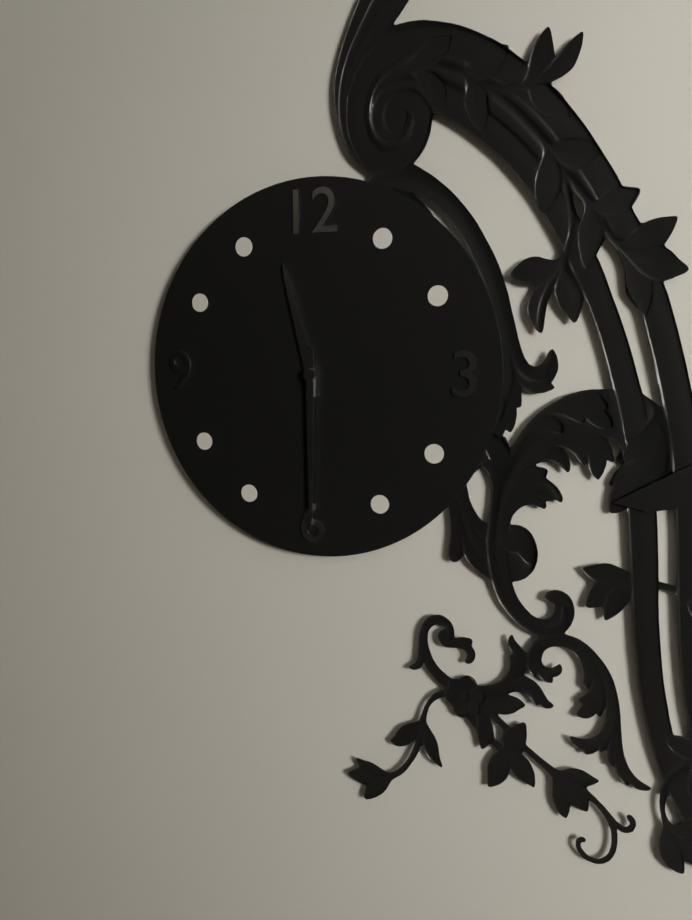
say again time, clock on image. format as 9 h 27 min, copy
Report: 11 h 30 min
